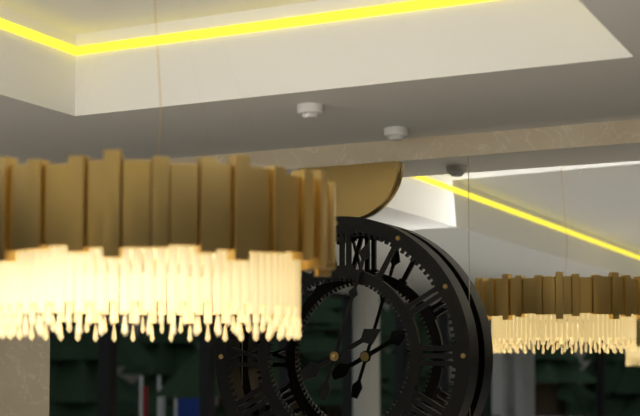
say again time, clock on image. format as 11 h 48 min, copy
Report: 2 h 03 min
